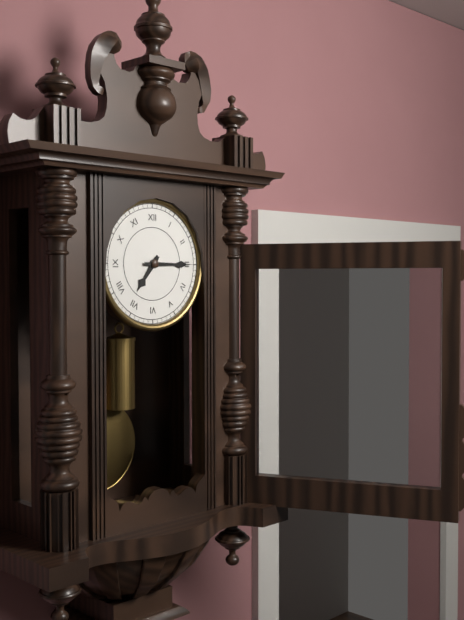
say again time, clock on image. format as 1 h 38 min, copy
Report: 7 h 15 min
